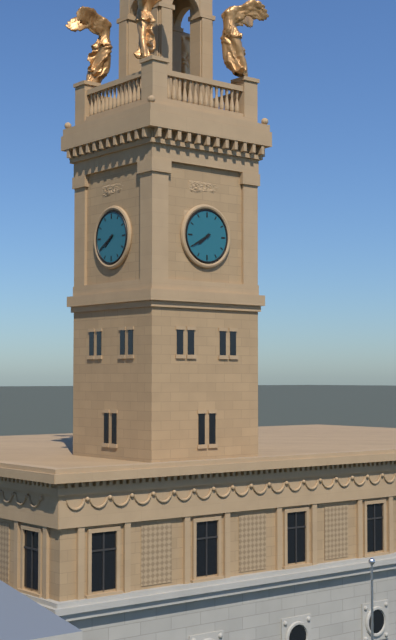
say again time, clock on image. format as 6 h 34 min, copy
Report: 7 h 40 min
